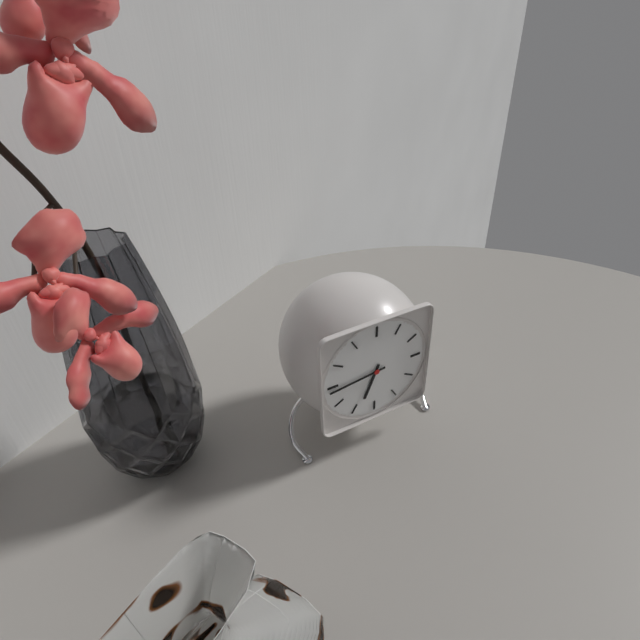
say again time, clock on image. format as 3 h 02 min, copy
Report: 6 h 44 min
